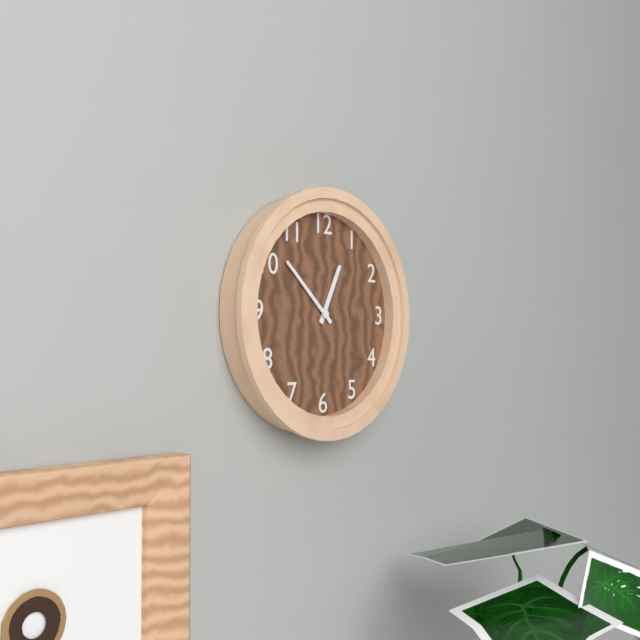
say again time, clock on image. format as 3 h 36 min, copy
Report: 12 h 52 min
